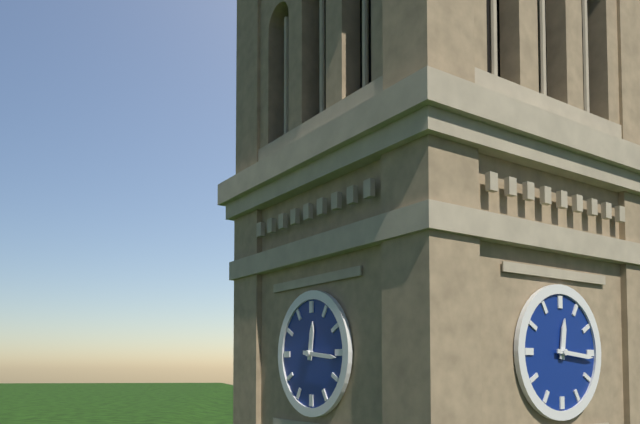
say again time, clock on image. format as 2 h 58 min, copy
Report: 12 h 16 min
